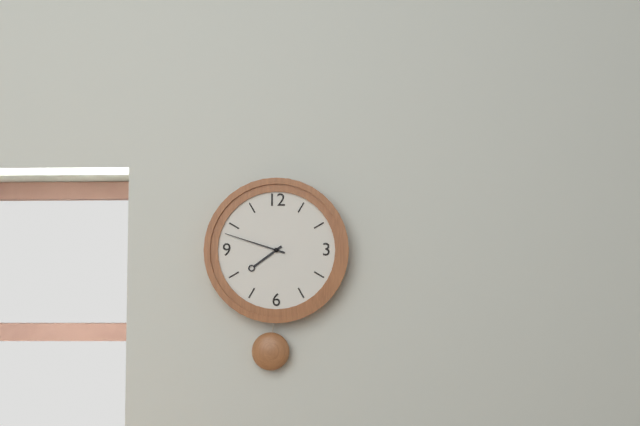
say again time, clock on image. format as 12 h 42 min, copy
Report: 7 h 48 min
